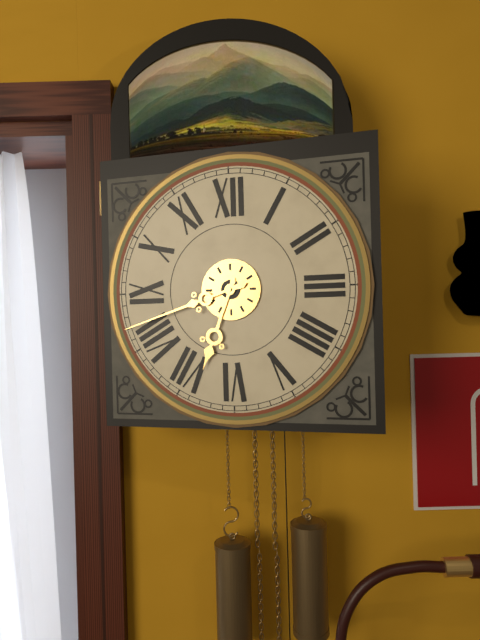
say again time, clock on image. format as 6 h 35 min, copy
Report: 6 h 42 min
